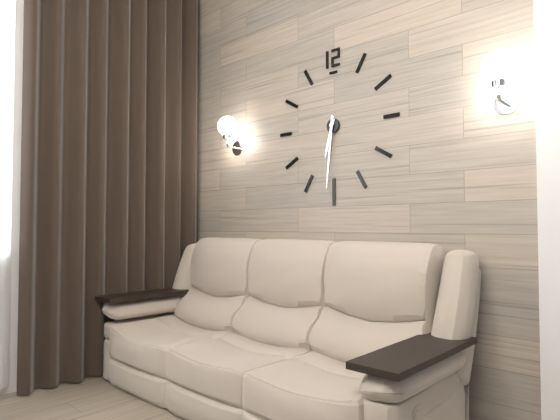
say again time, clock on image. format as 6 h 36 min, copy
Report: 6 h 31 min
